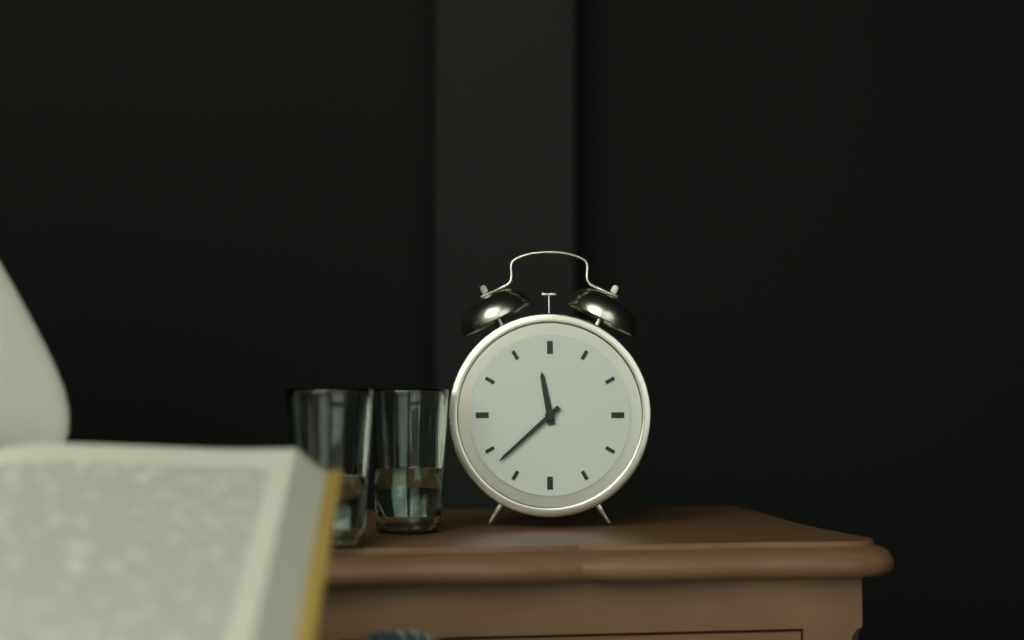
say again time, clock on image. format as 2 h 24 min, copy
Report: 11 h 38 min
